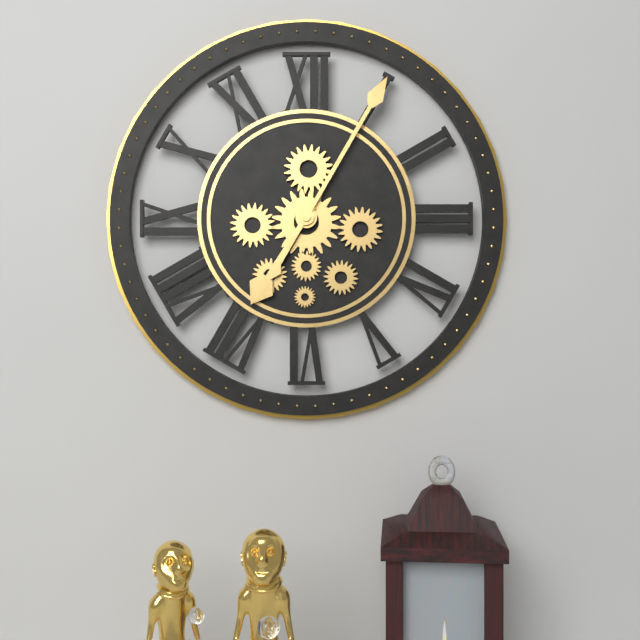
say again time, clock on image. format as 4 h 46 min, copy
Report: 7 h 05 min
